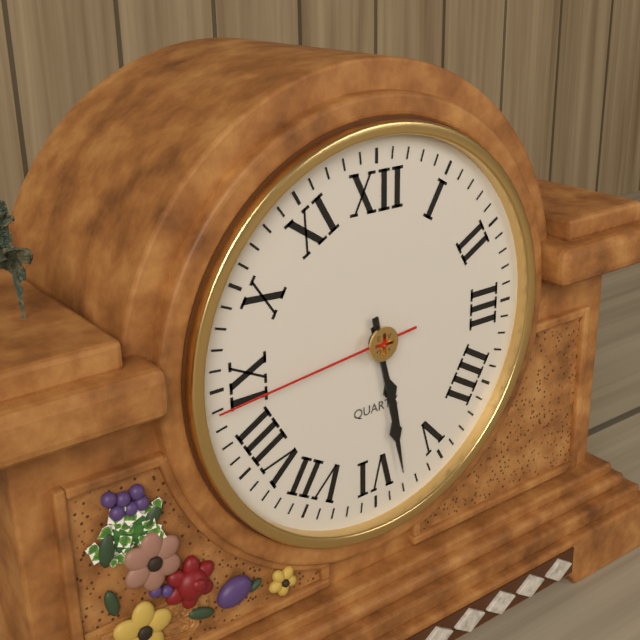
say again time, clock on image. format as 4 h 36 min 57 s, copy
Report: 5 h 28 min 44 s
